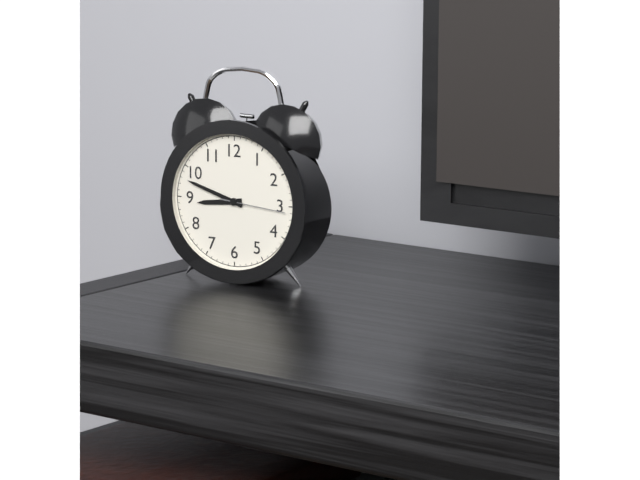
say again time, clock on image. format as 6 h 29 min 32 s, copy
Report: 8 h 48 min 16 s
